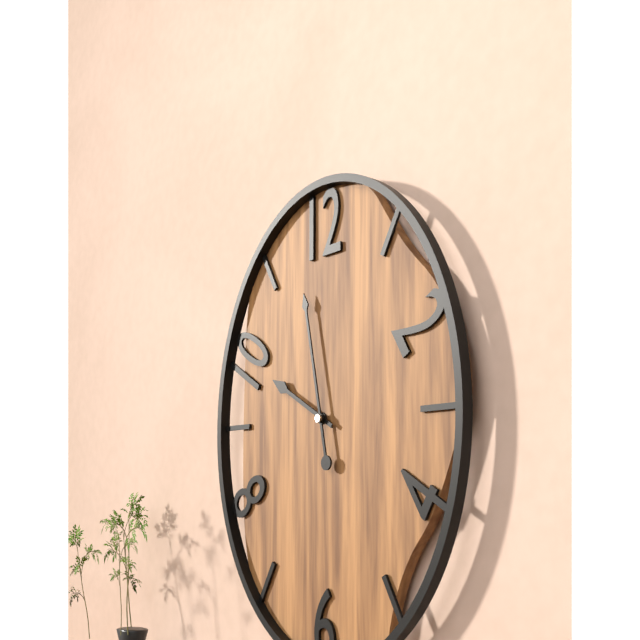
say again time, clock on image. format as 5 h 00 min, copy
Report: 9 h 58 min
